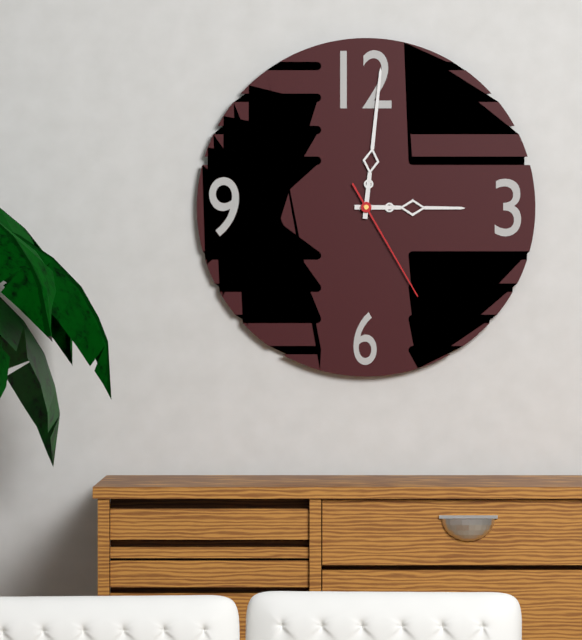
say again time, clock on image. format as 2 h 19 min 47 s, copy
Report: 3 h 01 min 25 s
